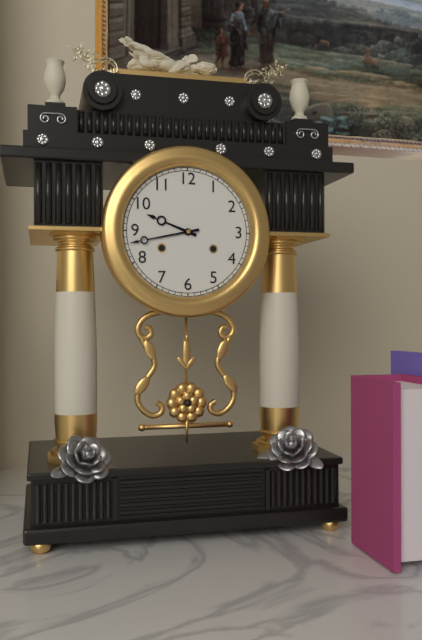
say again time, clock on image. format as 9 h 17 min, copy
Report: 9 h 43 min
